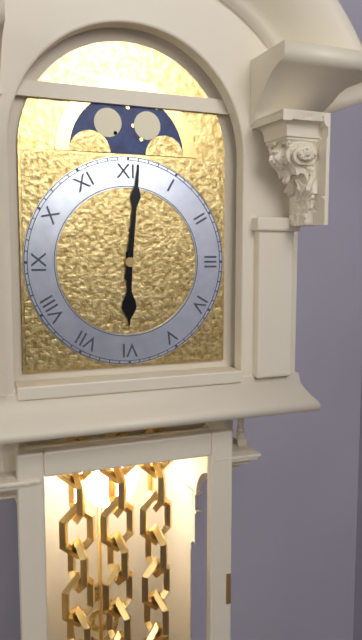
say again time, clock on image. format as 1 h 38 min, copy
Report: 6 h 01 min
